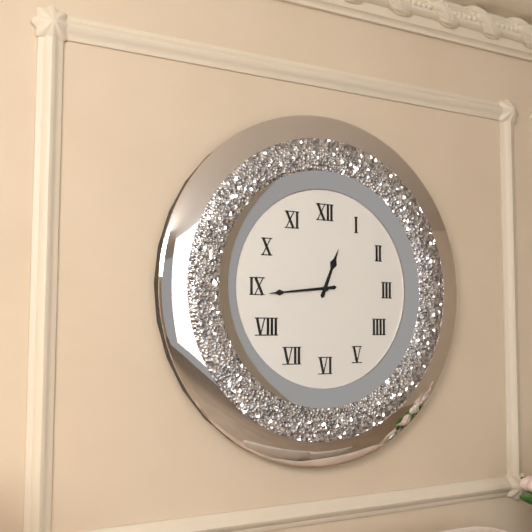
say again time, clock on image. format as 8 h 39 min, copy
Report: 12 h 44 min
